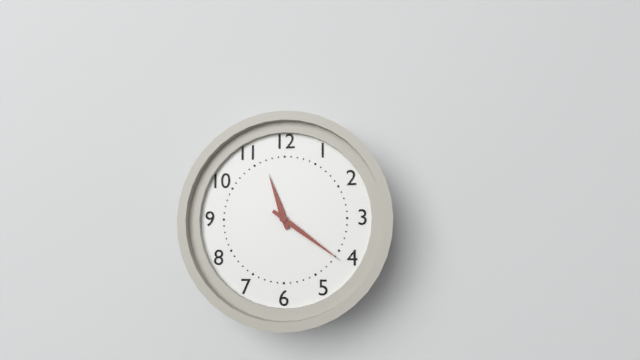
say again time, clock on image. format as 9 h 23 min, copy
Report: 11 h 21 min
